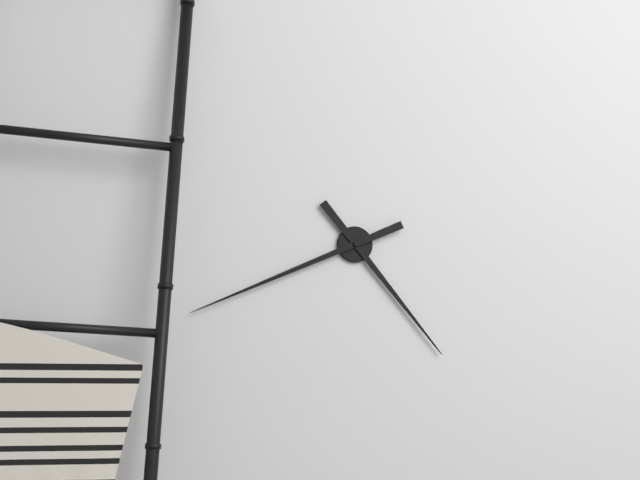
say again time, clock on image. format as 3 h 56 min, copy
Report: 4 h 41 min
